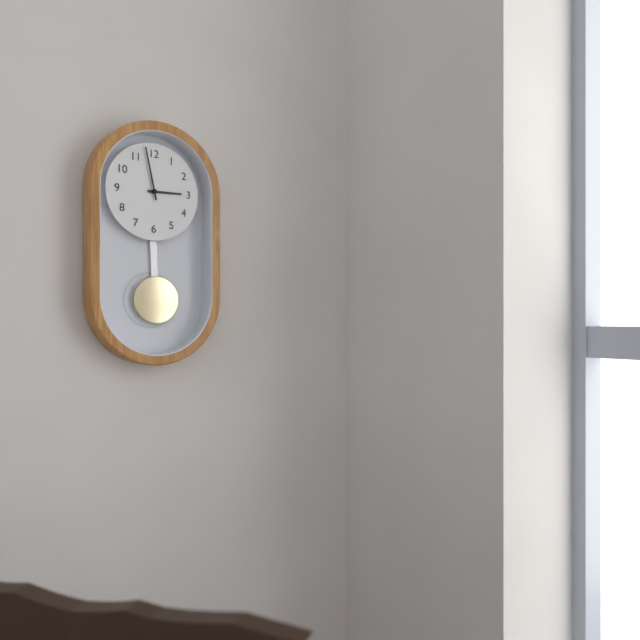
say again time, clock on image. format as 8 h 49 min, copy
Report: 2 h 58 min
